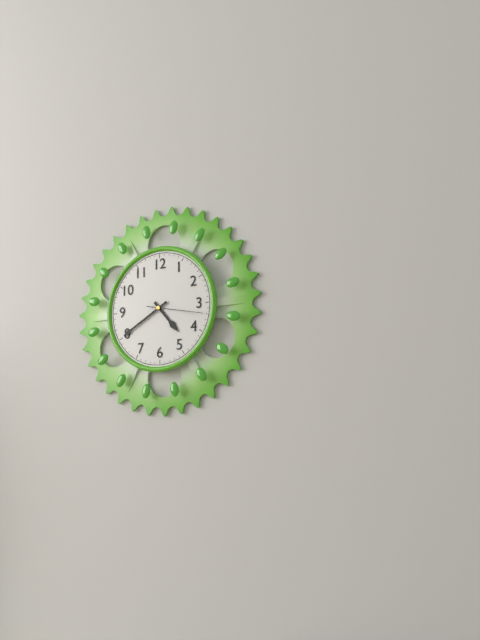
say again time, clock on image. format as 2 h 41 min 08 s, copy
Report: 4 h 40 min 17 s
